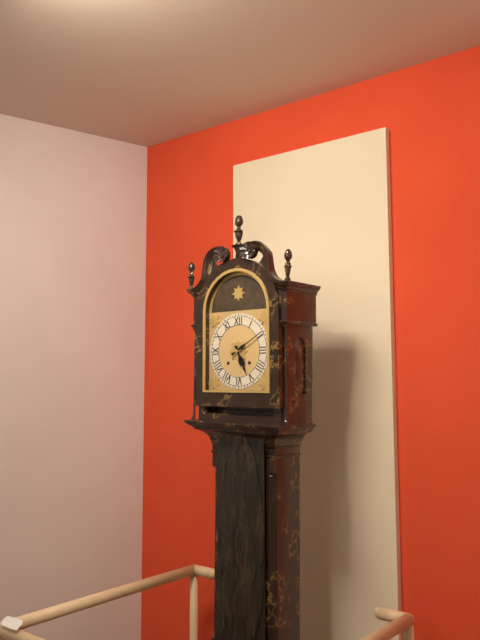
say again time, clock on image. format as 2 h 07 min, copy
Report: 5 h 10 min
